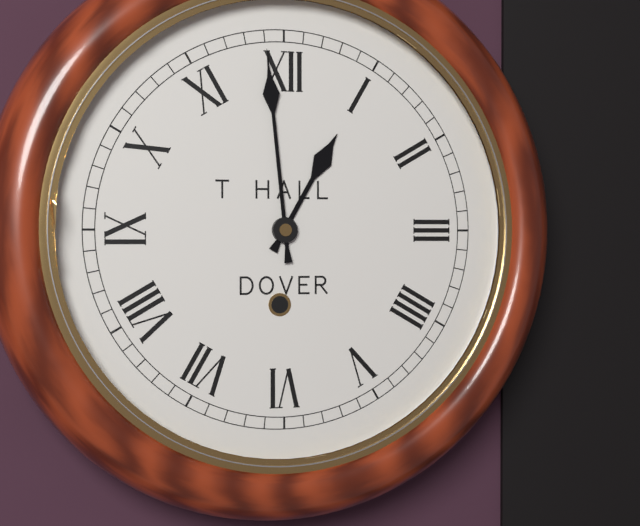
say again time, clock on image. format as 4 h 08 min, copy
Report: 12 h 59 min
